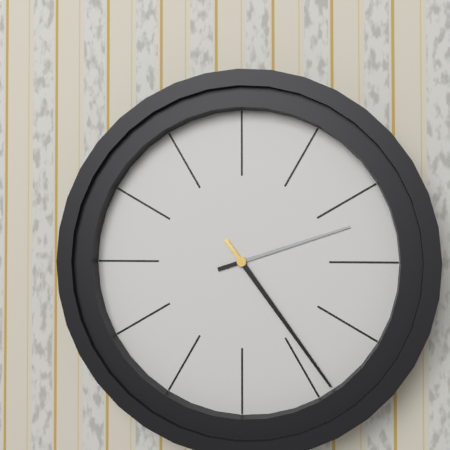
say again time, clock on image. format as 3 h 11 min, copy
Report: 2 h 24 min
